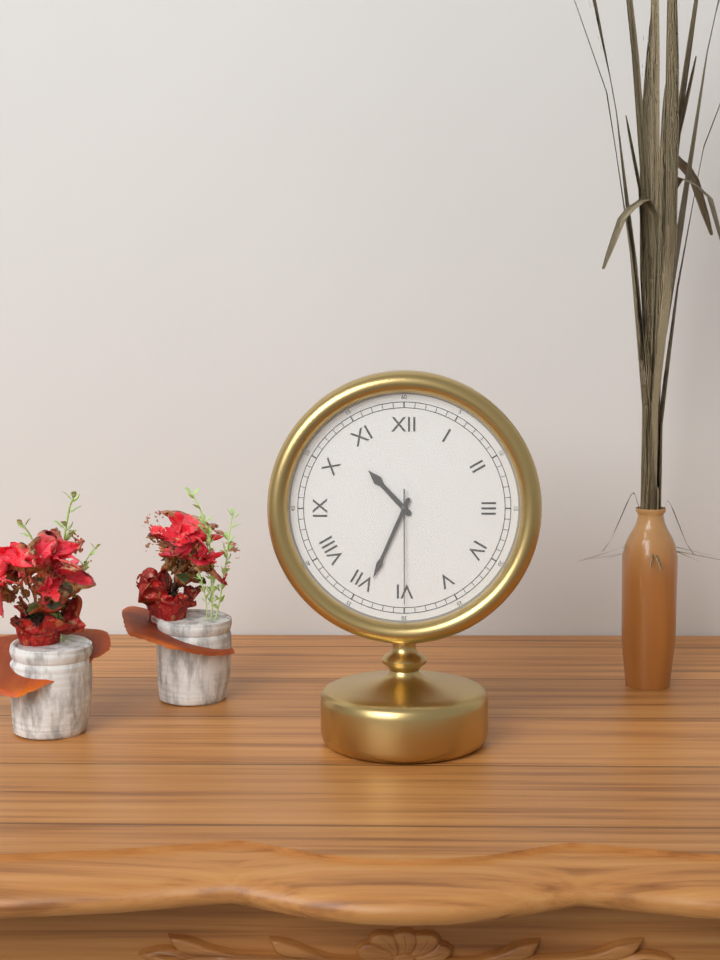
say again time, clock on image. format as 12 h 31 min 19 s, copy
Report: 10 h 34 min 30 s
